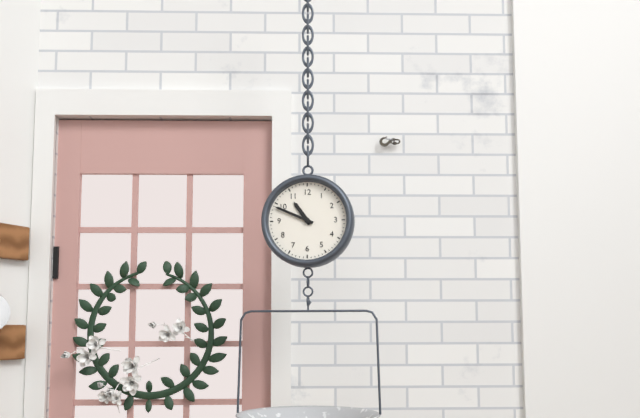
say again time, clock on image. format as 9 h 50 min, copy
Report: 10 h 49 min
